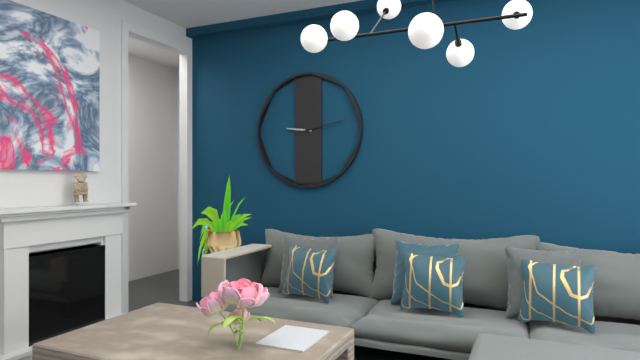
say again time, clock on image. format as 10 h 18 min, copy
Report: 9 h 13 min
